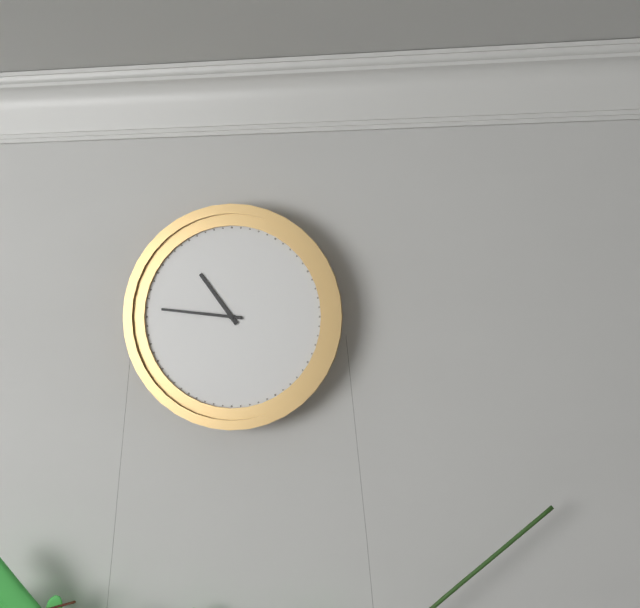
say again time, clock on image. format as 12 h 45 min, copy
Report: 10 h 46 min
